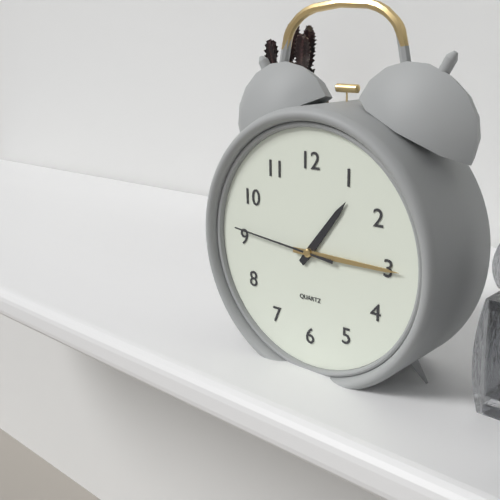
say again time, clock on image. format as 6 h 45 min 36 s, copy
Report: 1 h 15 min 46 s
